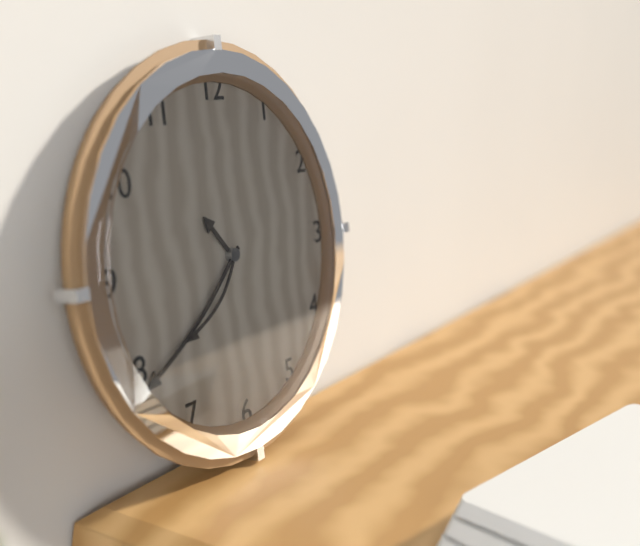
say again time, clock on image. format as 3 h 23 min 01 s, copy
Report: 10 h 39 min 38 s
